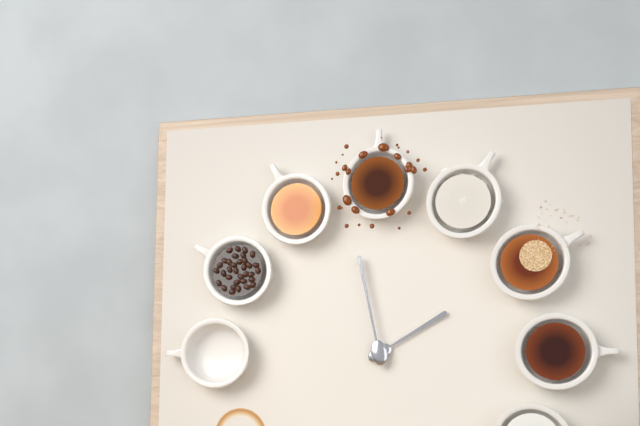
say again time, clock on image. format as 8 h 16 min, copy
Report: 1 h 58 min
